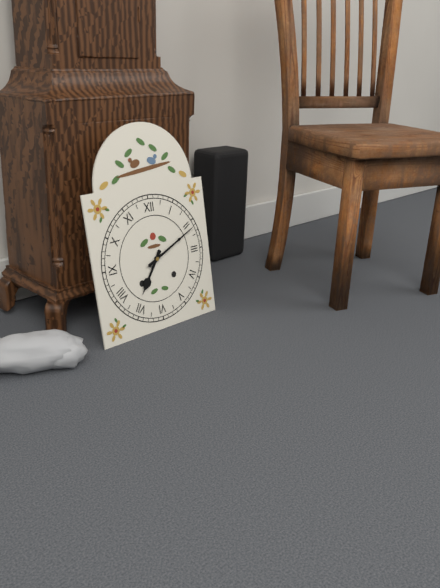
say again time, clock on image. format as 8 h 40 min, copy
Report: 7 h 11 min
